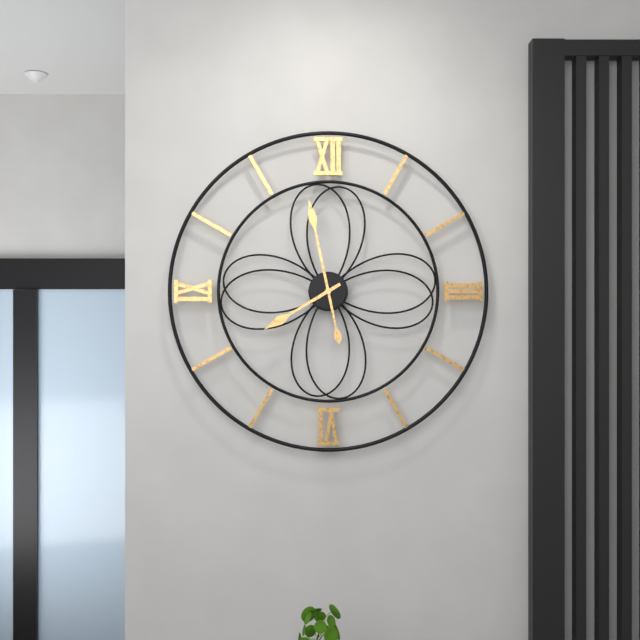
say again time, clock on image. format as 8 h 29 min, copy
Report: 7 h 58 min
